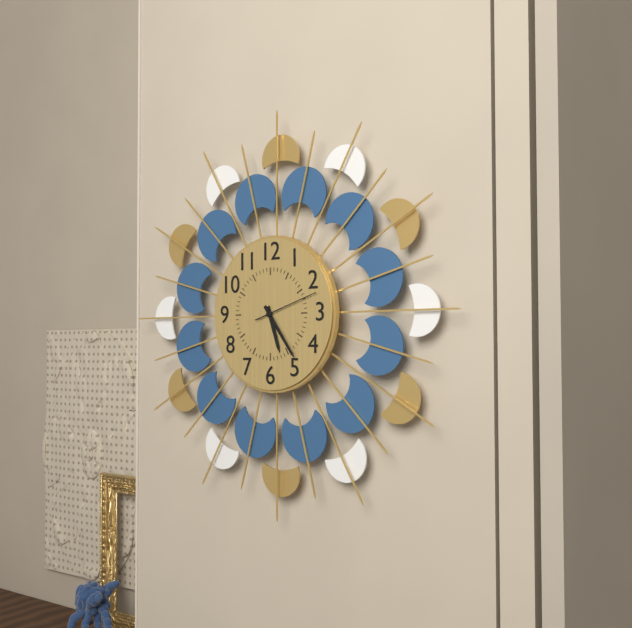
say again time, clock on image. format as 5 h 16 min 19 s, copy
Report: 5 h 24 min 12 s
